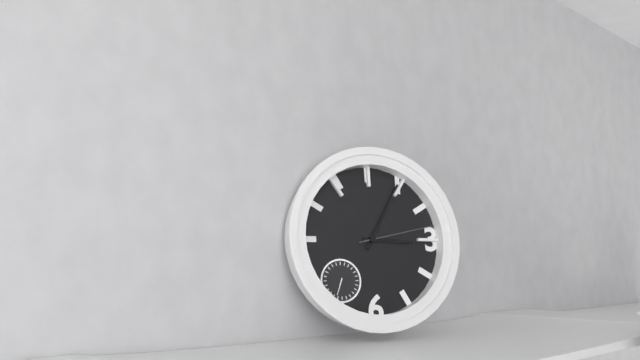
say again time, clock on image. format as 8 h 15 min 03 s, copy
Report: 3 h 05 min 13 s
